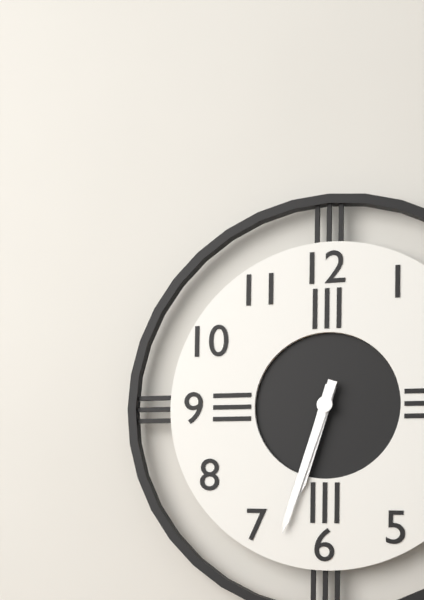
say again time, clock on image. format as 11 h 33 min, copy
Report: 6 h 33 min
